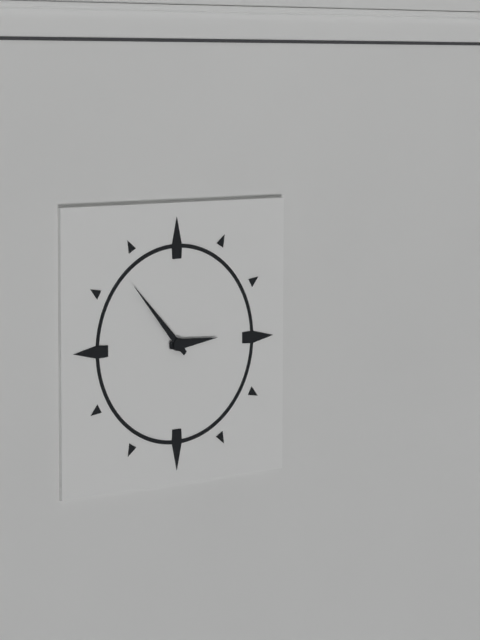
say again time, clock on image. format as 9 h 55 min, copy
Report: 2 h 53 min
